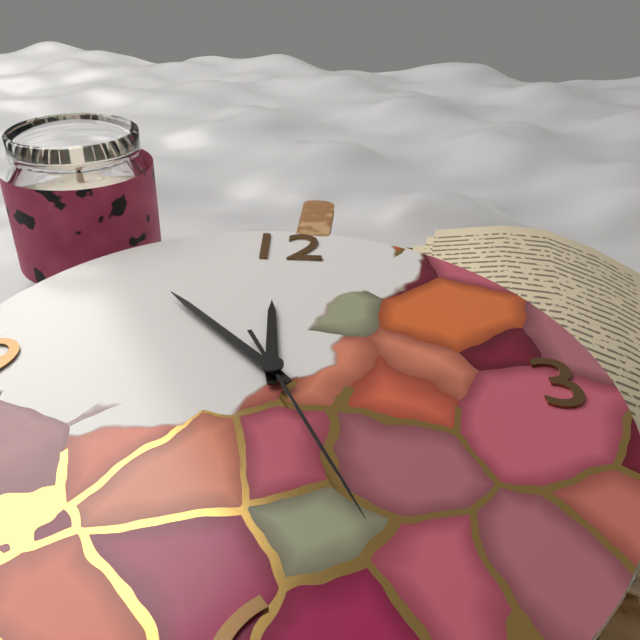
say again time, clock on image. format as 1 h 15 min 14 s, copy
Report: 11 h 53 min 26 s
